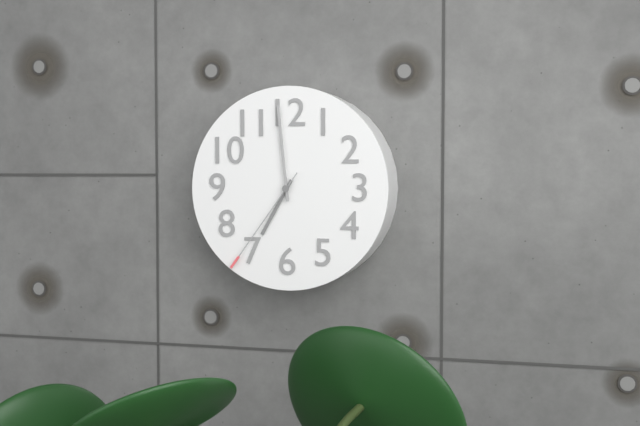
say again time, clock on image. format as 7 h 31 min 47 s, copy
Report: 6 h 59 min 36 s
